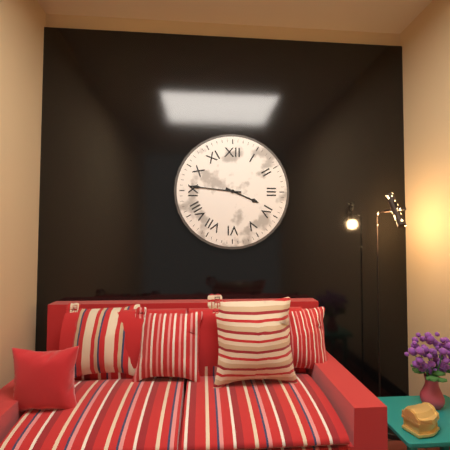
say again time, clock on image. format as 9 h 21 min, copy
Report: 3 h 46 min
